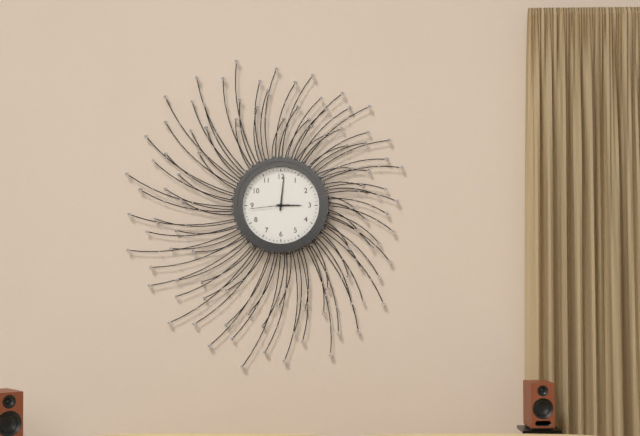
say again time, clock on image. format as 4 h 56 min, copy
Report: 3 h 01 min
